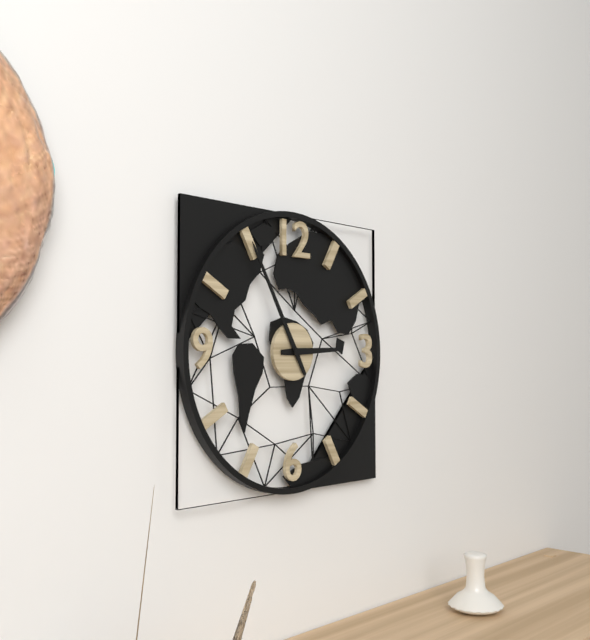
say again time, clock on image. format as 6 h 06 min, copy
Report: 2 h 55 min
